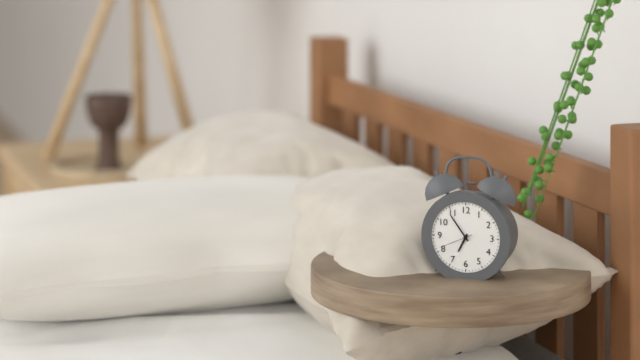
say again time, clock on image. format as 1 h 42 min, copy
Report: 6 h 54 min
